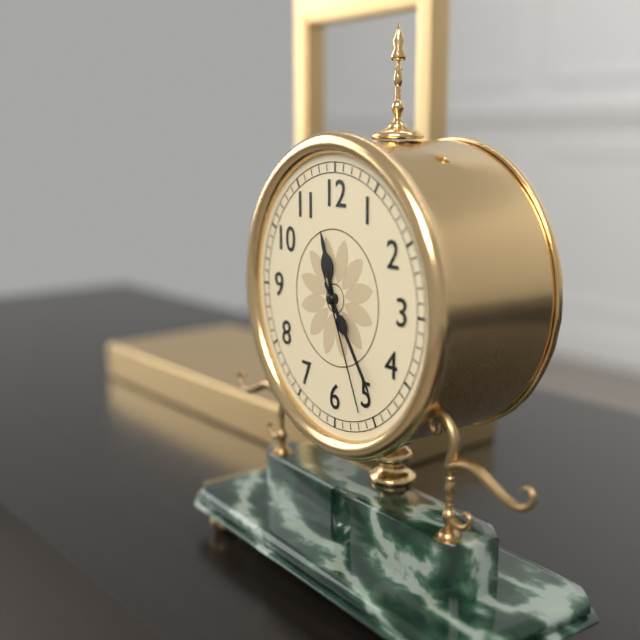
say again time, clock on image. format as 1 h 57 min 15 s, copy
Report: 11 h 24 min 26 s
